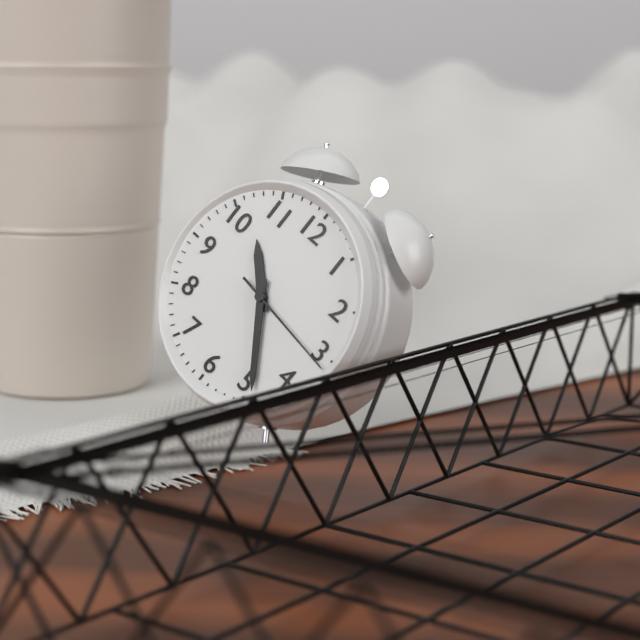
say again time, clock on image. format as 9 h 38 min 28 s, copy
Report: 10 h 24 min 16 s
